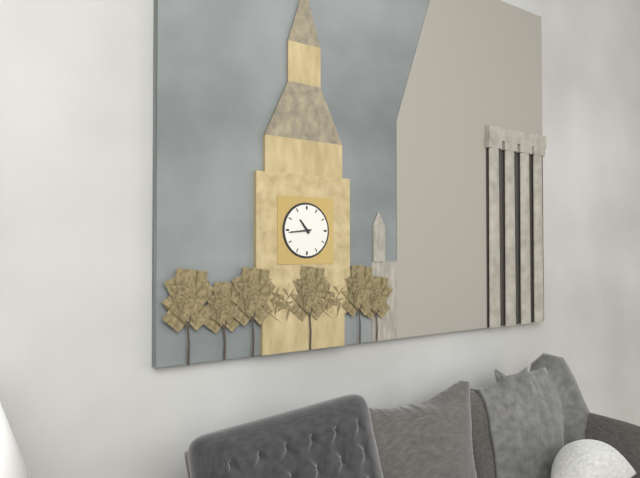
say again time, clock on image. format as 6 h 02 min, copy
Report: 10 h 44 min
